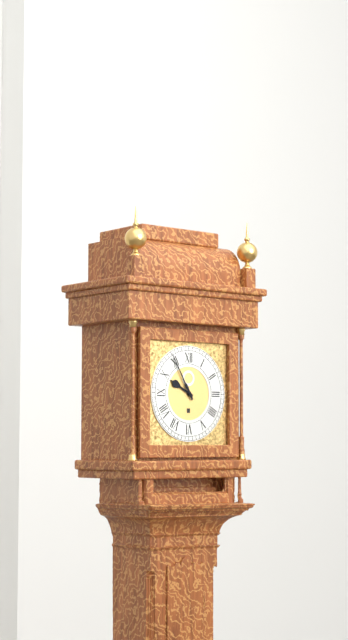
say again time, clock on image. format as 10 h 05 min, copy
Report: 9 h 55 min
